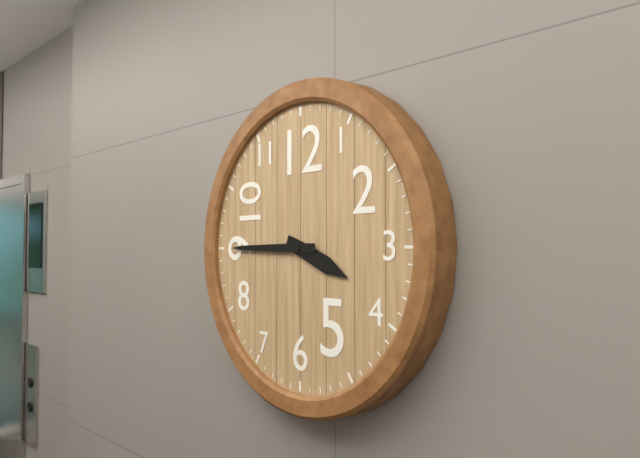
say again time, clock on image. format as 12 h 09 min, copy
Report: 3 h 45 min
